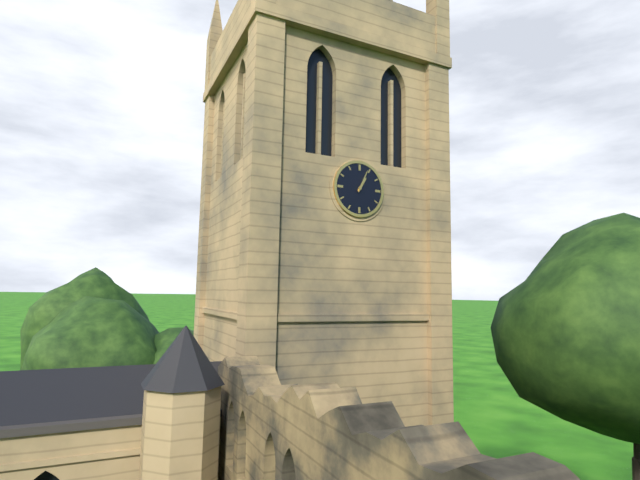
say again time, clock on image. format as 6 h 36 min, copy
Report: 1 h 04 min
